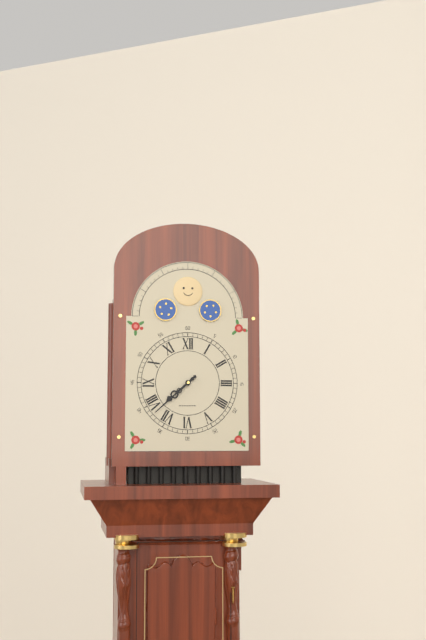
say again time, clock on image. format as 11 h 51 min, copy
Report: 7 h 38 min
